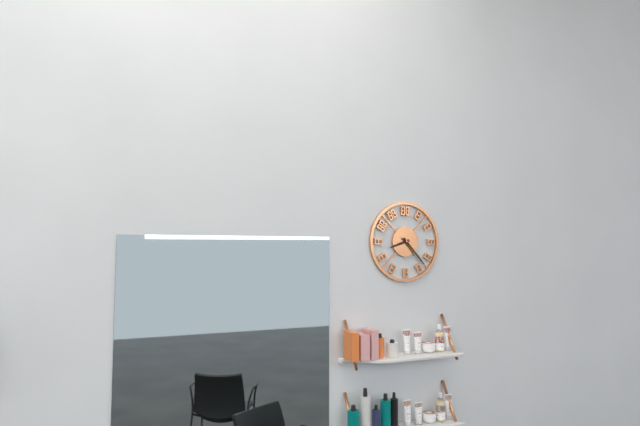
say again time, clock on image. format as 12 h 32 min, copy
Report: 8 h 23 min
